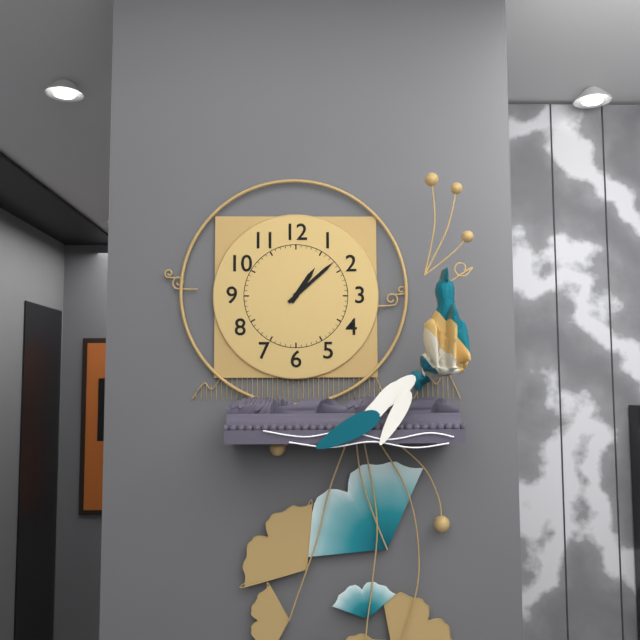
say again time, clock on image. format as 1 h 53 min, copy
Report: 1 h 08 min
